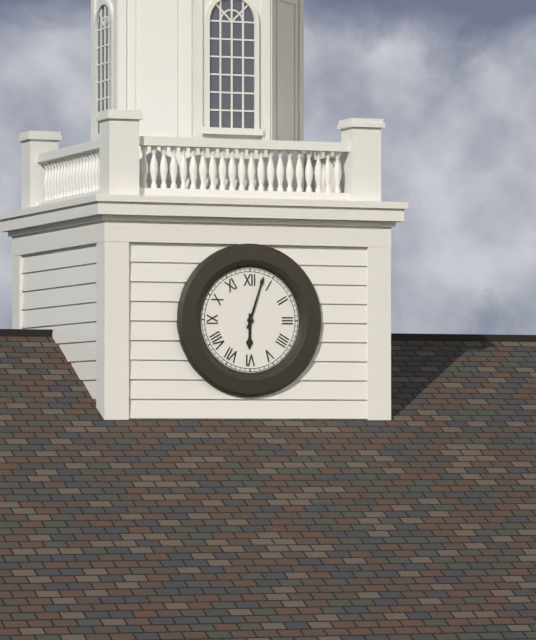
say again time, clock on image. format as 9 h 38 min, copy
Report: 6 h 03 min
